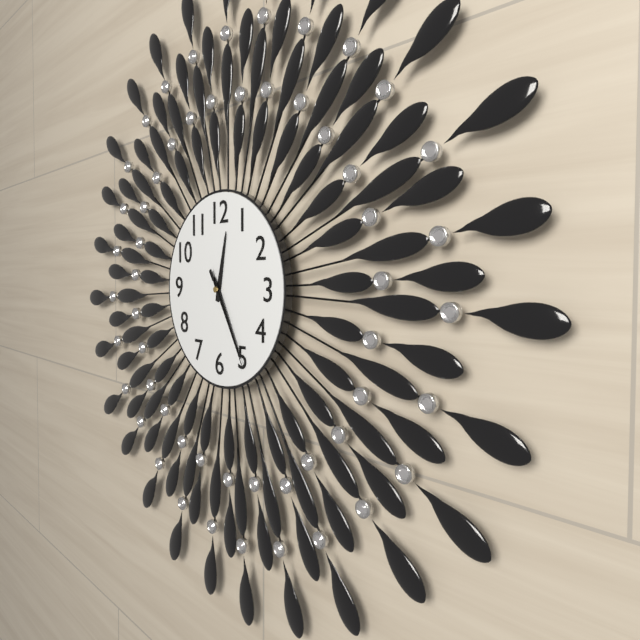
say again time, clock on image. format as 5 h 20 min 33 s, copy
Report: 12 h 25 min 25 s
